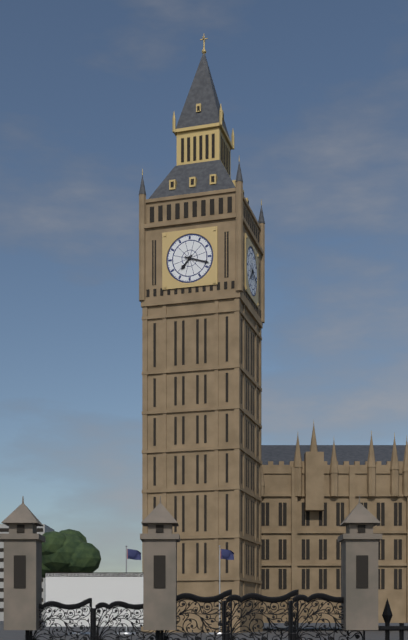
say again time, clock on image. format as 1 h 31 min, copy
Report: 7 h 18 min
